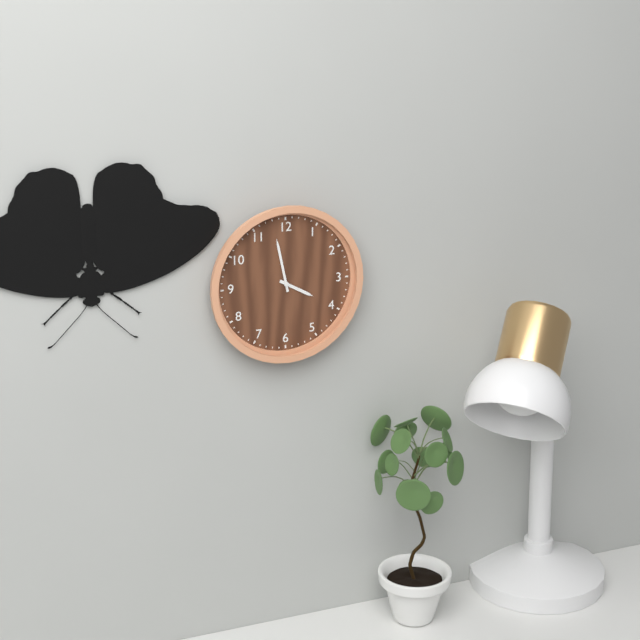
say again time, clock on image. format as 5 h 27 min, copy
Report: 3 h 58 min
